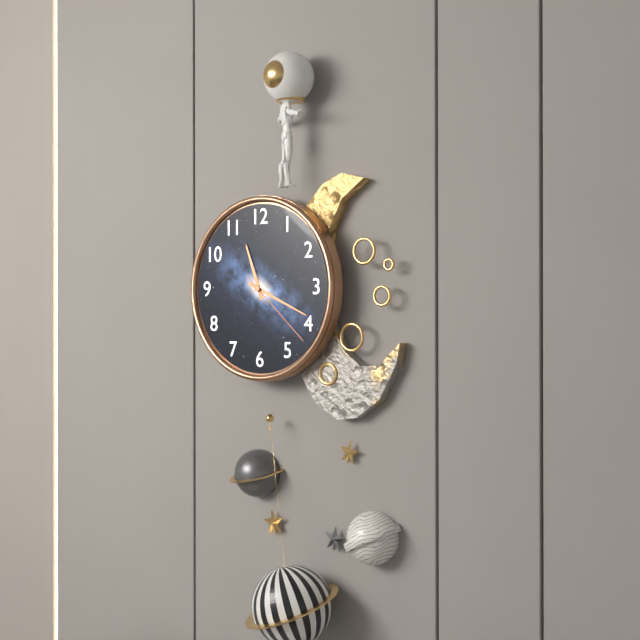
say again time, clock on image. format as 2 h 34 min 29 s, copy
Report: 11 h 19 min 22 s
